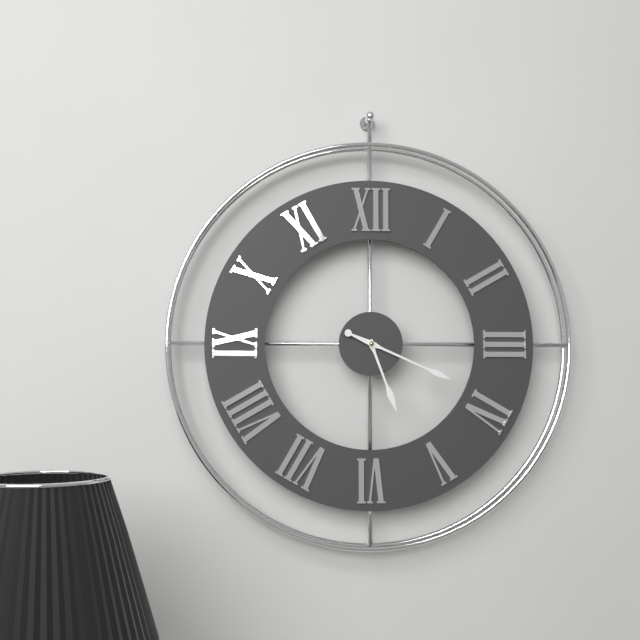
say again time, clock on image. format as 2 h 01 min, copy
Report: 5 h 19 min
